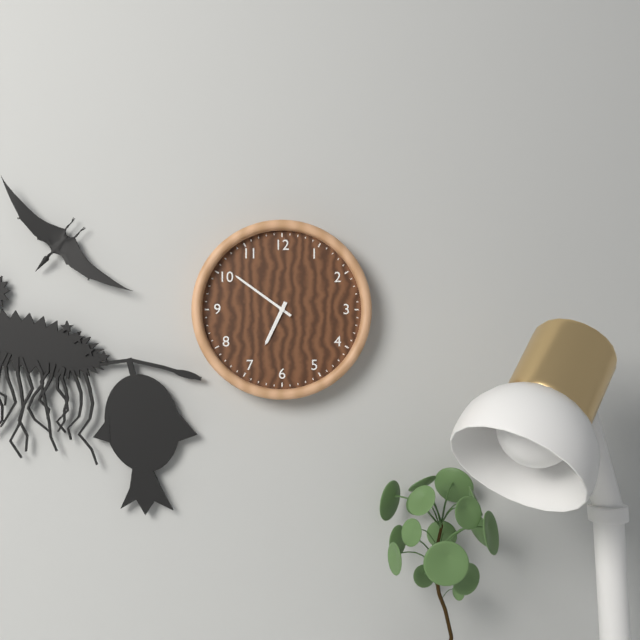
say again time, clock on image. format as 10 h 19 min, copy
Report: 6 h 51 min
